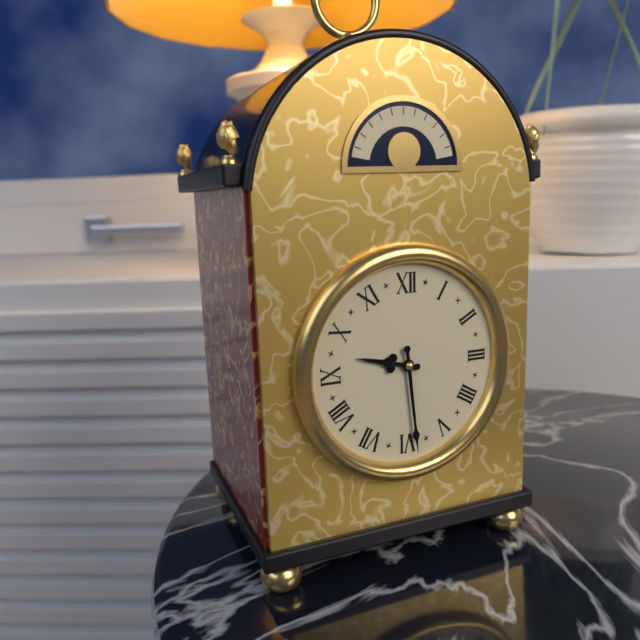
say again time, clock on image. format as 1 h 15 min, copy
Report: 9 h 29 min
